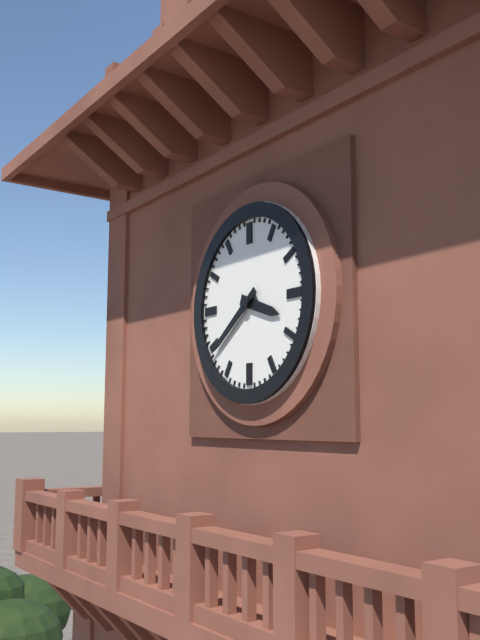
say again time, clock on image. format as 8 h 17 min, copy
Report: 3 h 39 min
